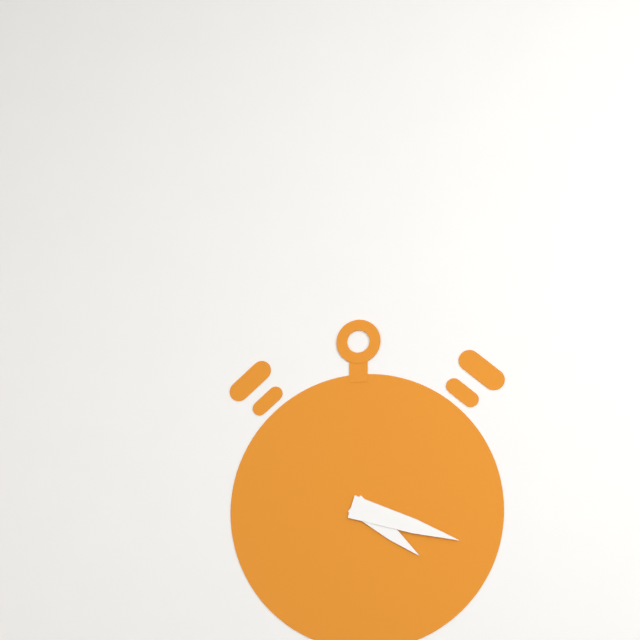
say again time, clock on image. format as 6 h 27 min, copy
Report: 4 h 18 min
